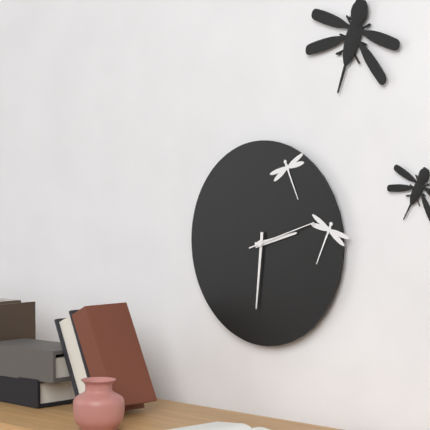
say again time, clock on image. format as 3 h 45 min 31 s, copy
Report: 2 h 31 min 12 s
